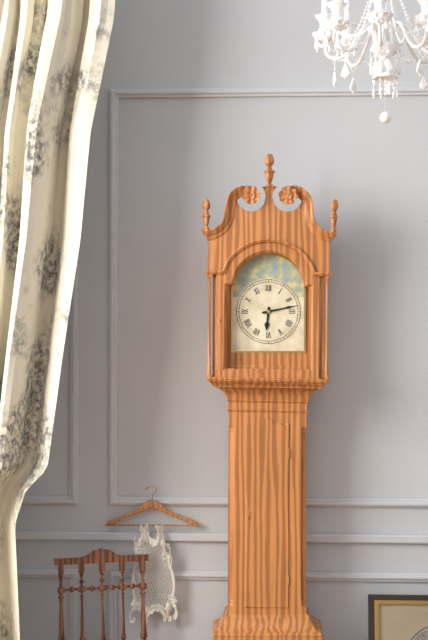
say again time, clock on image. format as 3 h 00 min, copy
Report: 6 h 13 min
